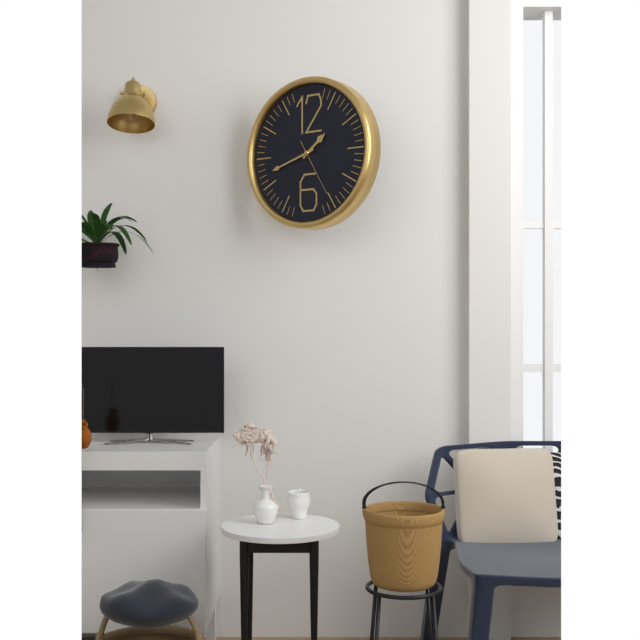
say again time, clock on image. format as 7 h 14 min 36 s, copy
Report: 1 h 42 min 25 s
